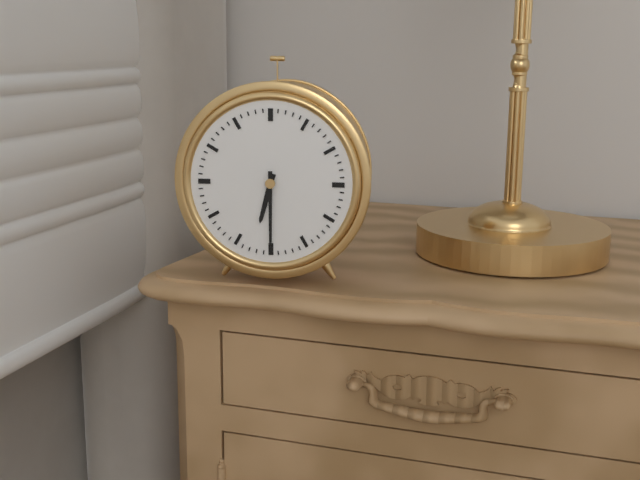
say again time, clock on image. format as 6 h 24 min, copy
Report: 6 h 30 min
